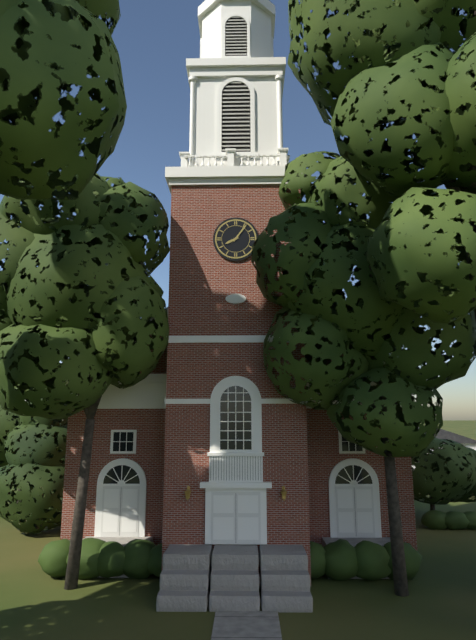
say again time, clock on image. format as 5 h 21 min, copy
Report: 8 h 06 min
